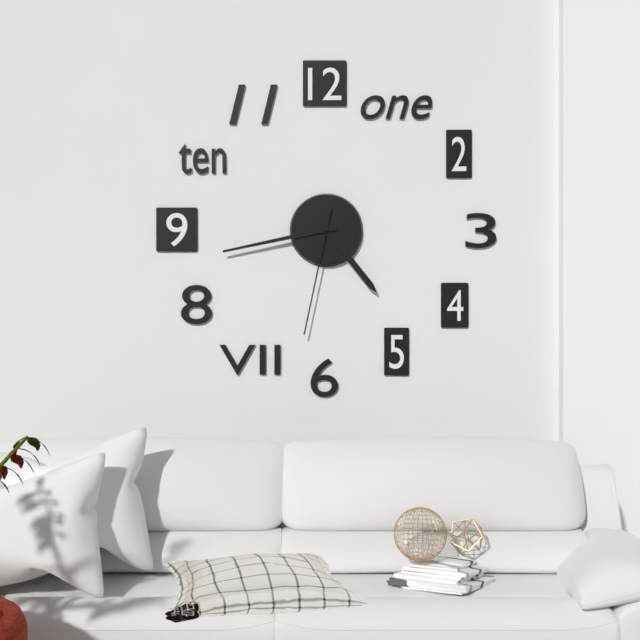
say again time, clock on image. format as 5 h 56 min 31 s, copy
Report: 4 h 43 min 32 s
